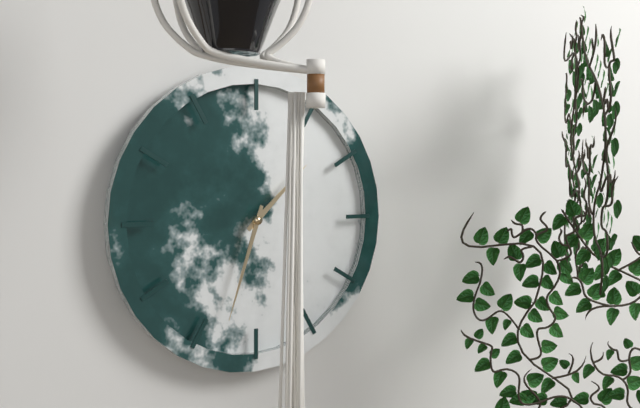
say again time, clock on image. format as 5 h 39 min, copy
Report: 1 h 33 min
